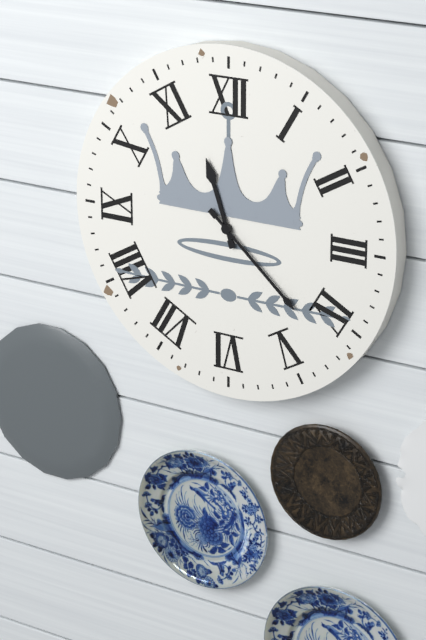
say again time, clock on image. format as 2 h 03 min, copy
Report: 11 h 22 min
